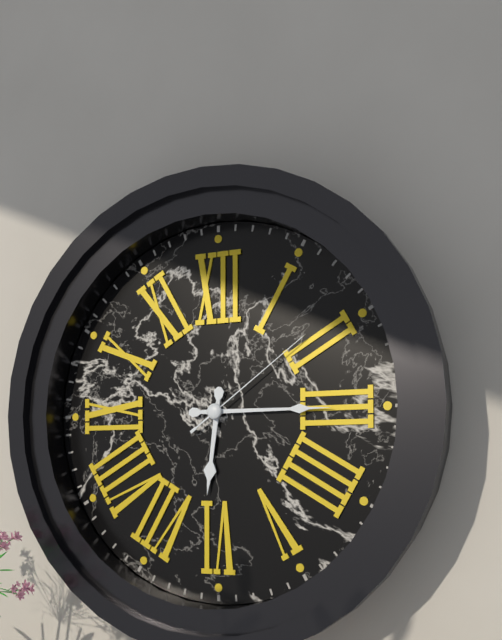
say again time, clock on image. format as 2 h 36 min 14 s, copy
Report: 6 h 15 min 09 s
